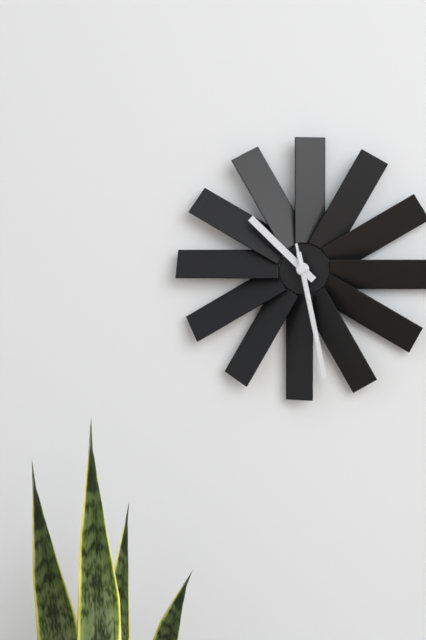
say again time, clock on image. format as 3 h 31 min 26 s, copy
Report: 10 h 28 min 28 s
